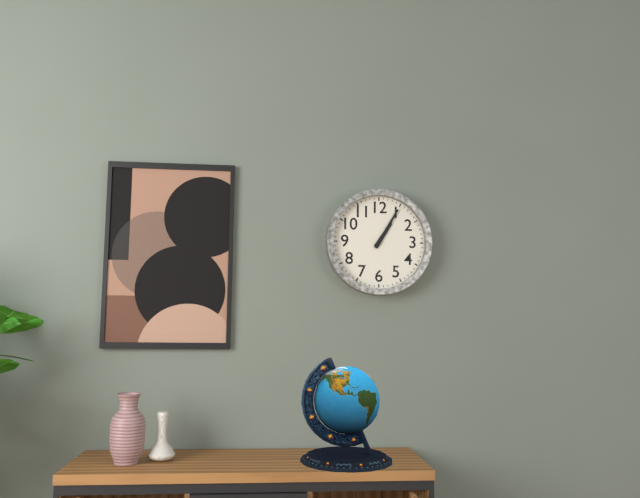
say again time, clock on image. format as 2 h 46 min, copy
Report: 1 h 05 min
